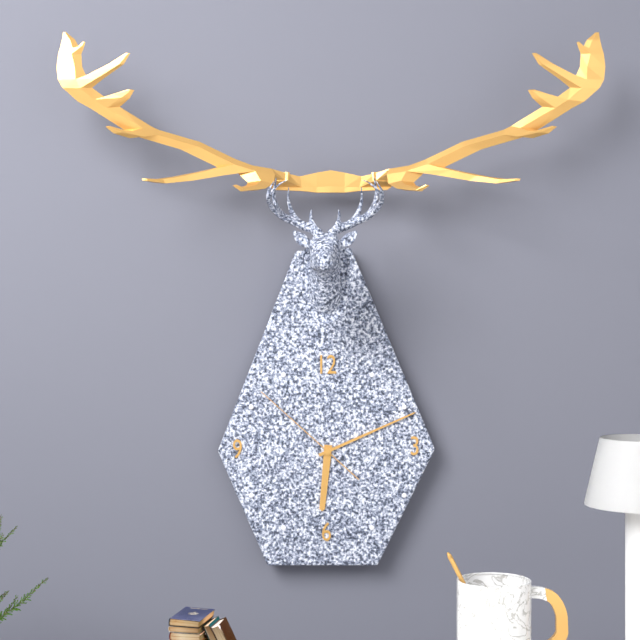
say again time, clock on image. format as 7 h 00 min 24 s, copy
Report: 6 h 11 min 52 s
